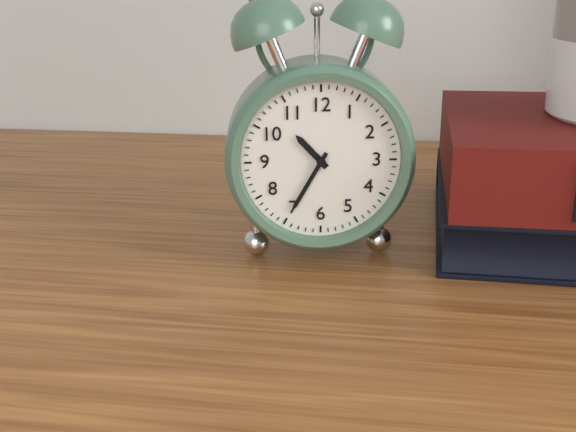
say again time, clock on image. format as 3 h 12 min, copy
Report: 10 h 35 min
